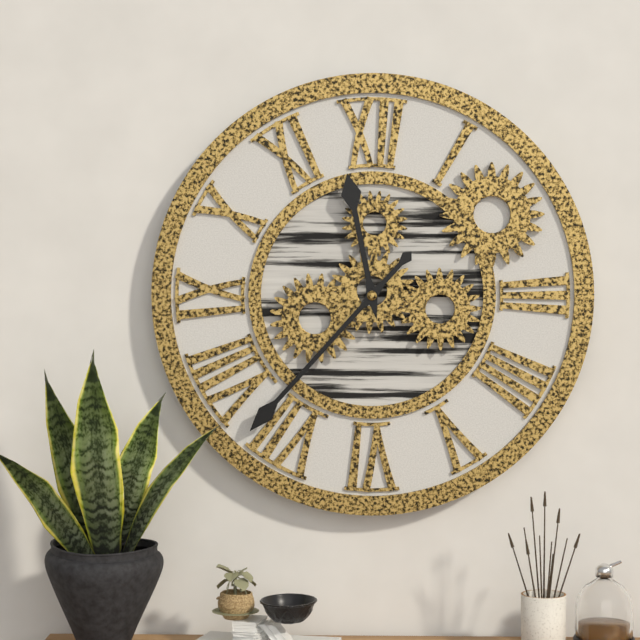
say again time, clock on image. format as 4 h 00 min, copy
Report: 11 h 37 min
